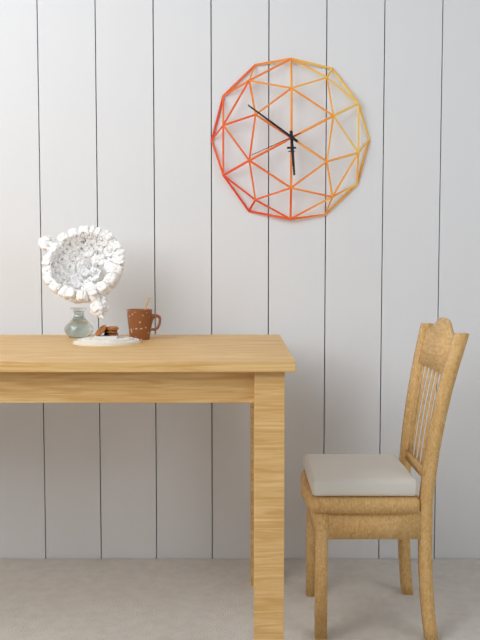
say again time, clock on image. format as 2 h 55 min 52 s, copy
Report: 5 h 51 min 41 s
